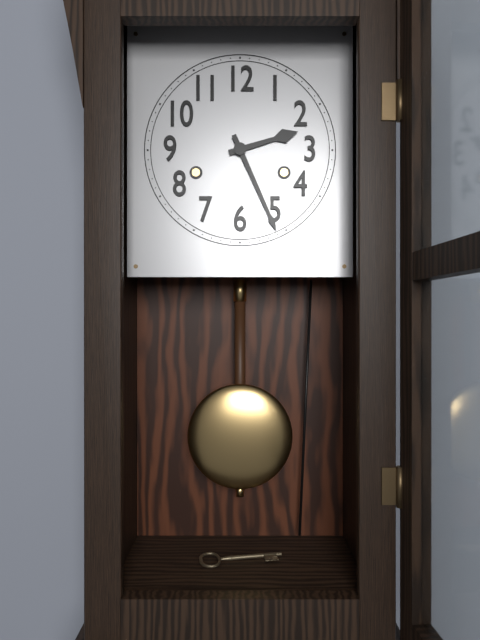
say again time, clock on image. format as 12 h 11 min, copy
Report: 2 h 26 min
